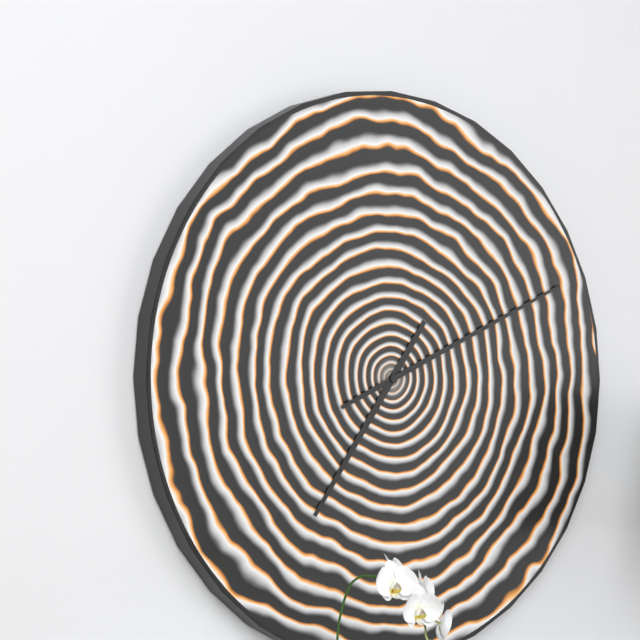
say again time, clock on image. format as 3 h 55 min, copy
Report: 7 h 11 min
